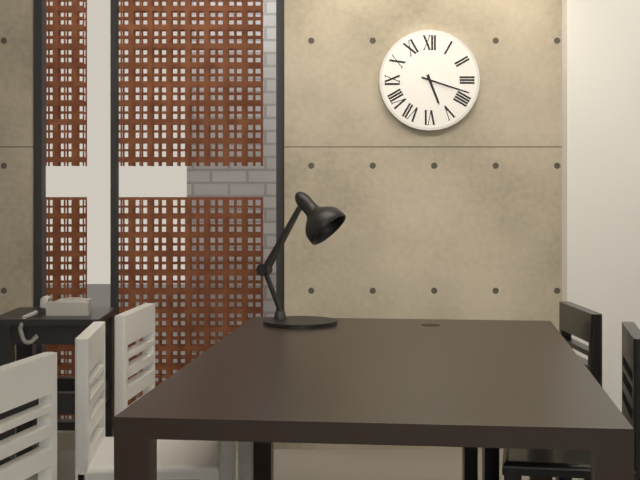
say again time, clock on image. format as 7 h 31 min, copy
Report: 5 h 18 min
